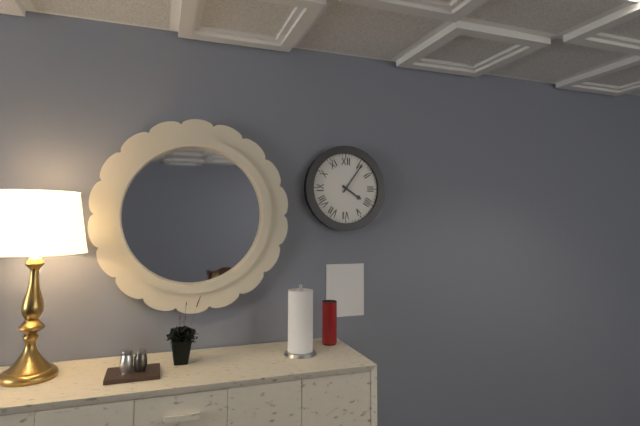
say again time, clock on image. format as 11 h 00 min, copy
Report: 4 h 06 min
